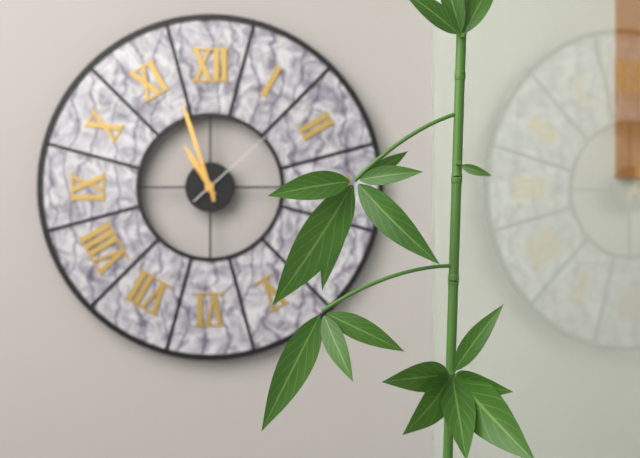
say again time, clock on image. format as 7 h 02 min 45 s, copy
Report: 10 h 57 min 08 s
